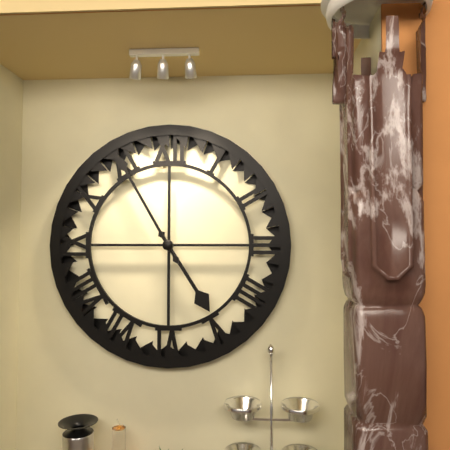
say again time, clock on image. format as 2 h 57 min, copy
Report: 4 h 55 min
